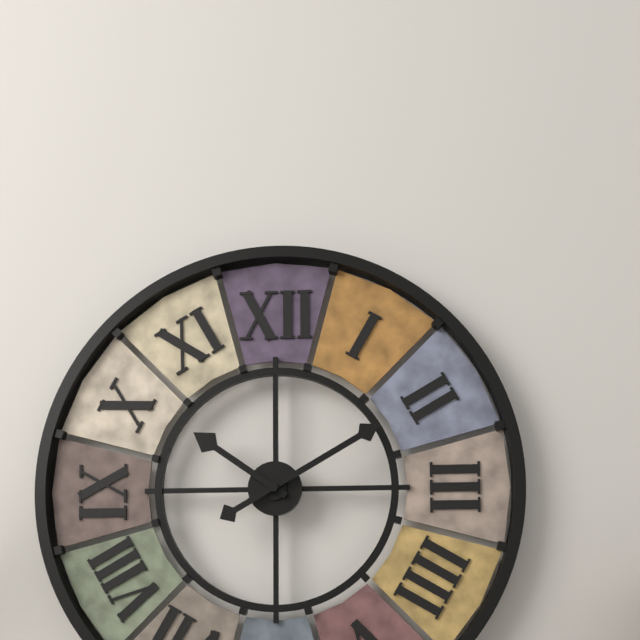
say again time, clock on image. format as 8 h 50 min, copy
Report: 10 h 10 min
